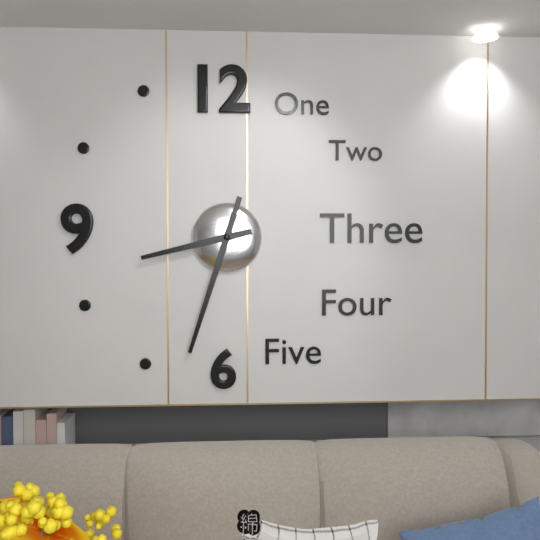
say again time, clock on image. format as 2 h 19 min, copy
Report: 8 h 33 min
